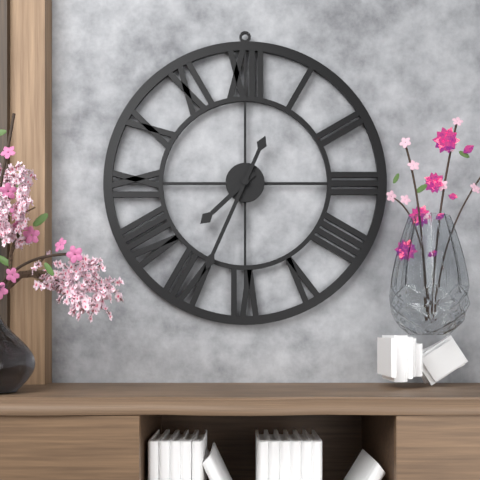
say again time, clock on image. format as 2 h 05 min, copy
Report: 7 h 34 min
